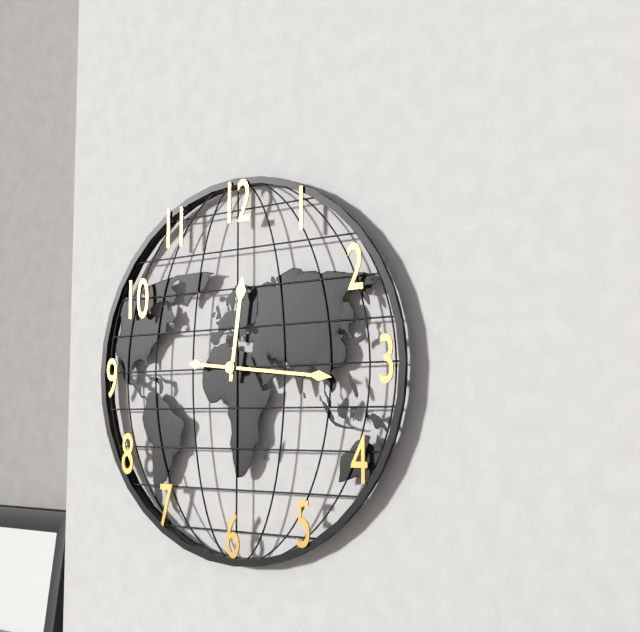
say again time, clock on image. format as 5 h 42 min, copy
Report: 12 h 16 min
